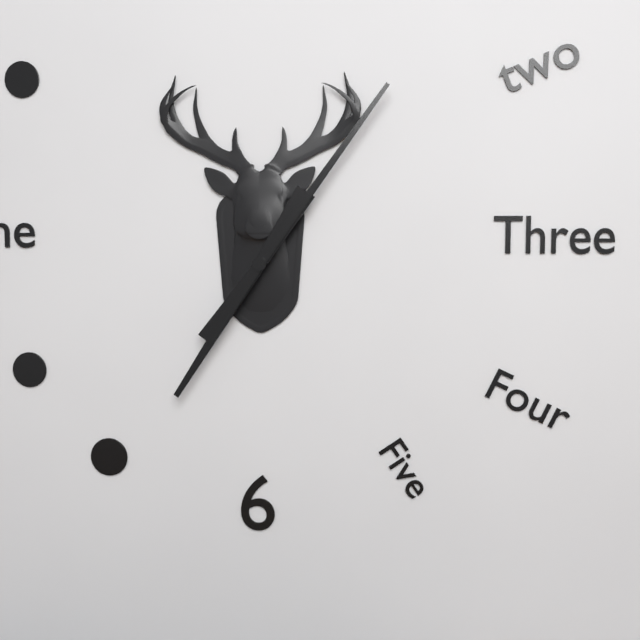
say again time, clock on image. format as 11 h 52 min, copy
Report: 7 h 06 min
